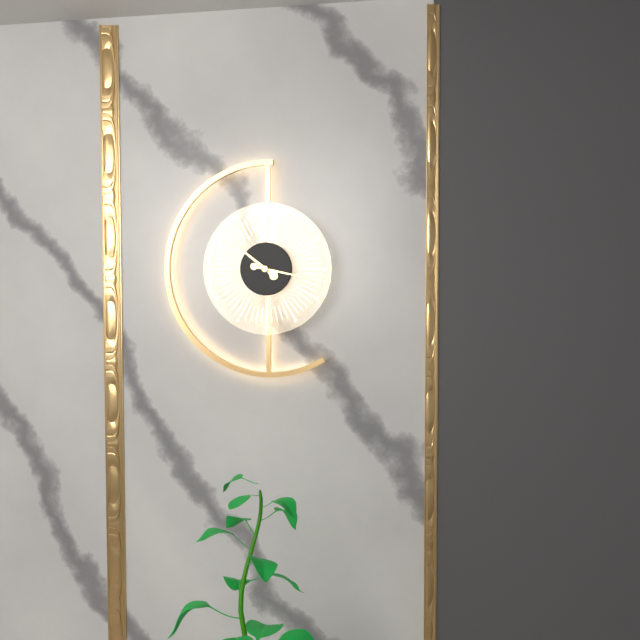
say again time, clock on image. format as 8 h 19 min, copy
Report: 10 h 17 min
